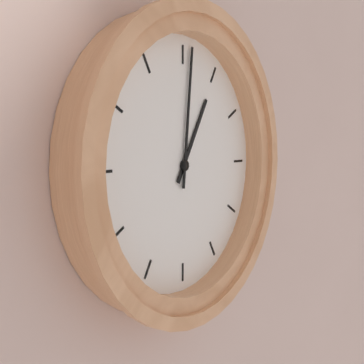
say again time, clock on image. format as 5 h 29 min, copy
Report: 1 h 01 min
